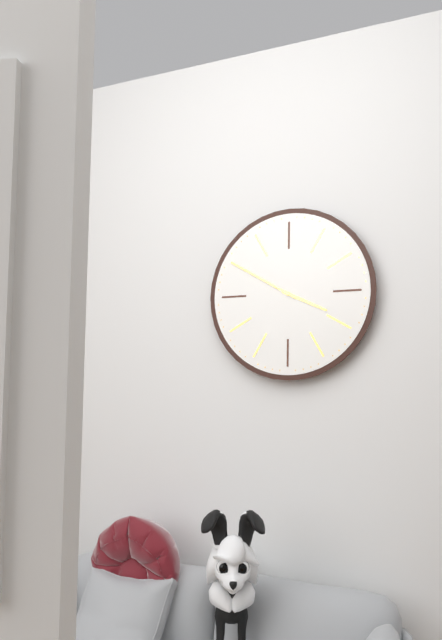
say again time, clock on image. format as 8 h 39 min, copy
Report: 3 h 50 min
